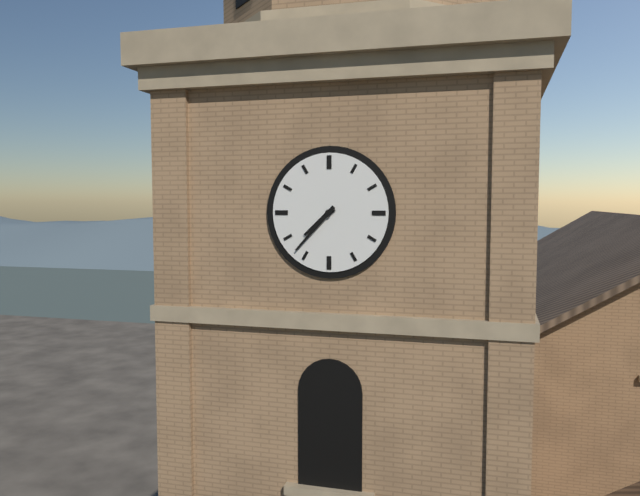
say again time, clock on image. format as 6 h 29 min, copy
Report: 7 h 37 min
